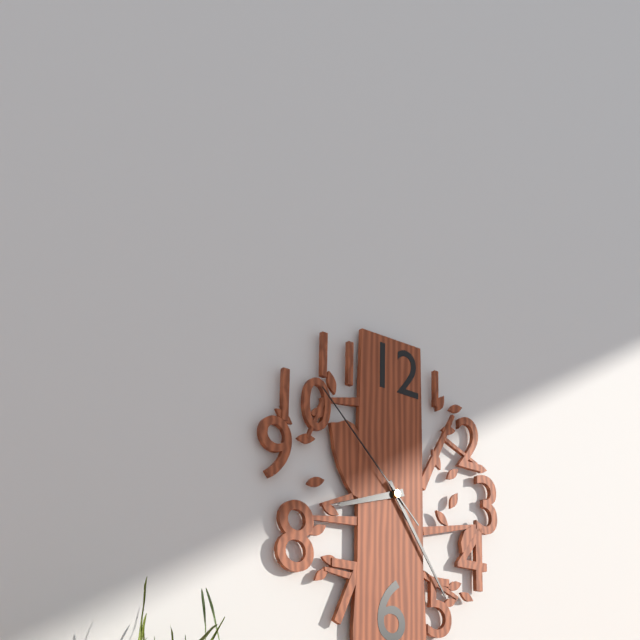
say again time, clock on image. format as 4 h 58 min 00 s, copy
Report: 8 h 24 min 52 s
